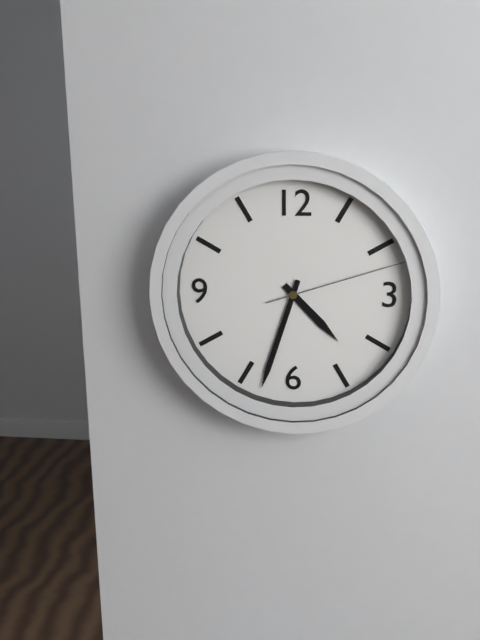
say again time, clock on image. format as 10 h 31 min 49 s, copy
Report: 4 h 33 min 12 s
